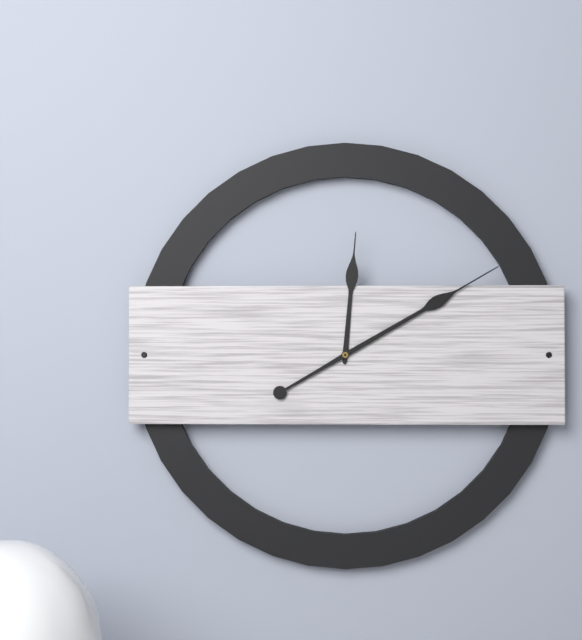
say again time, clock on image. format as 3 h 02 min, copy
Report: 12 h 10 min
